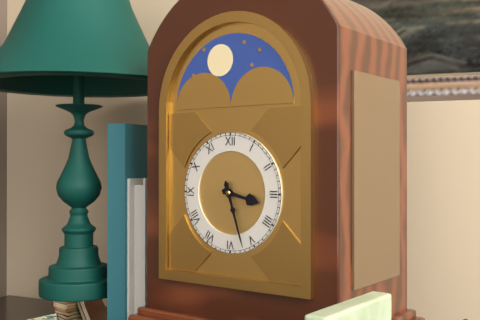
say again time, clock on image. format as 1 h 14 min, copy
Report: 3 h 27 min
